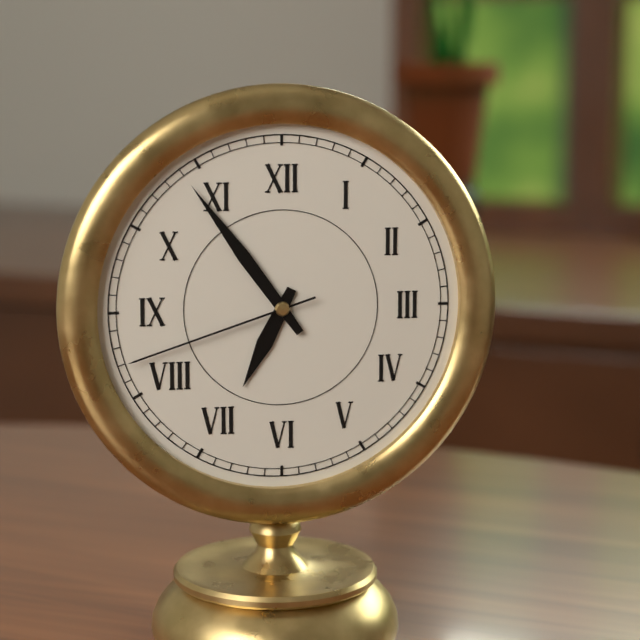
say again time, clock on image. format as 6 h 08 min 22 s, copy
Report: 6 h 54 min 42 s
